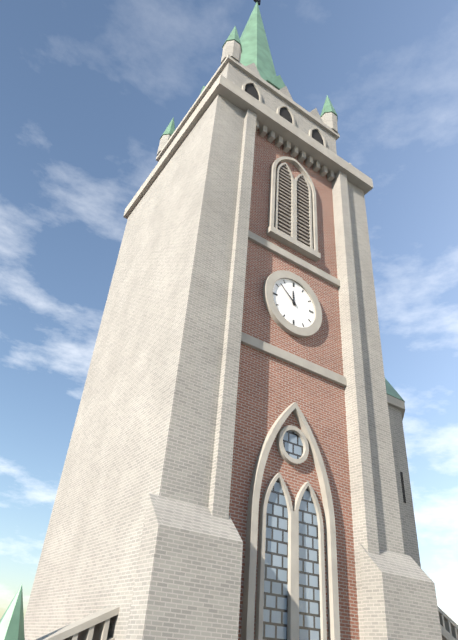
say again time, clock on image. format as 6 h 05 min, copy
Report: 11 h 52 min
